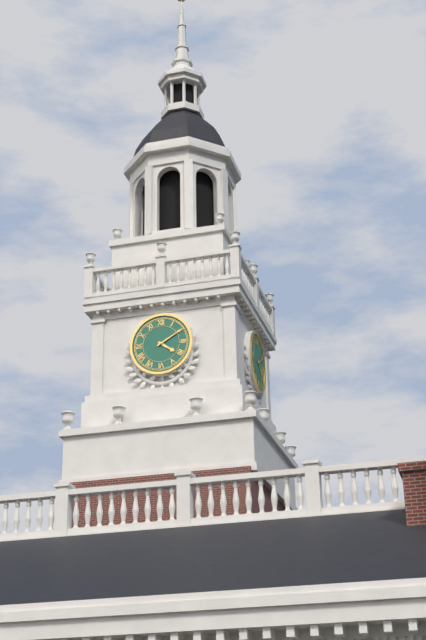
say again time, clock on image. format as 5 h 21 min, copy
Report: 4 h 10 min
